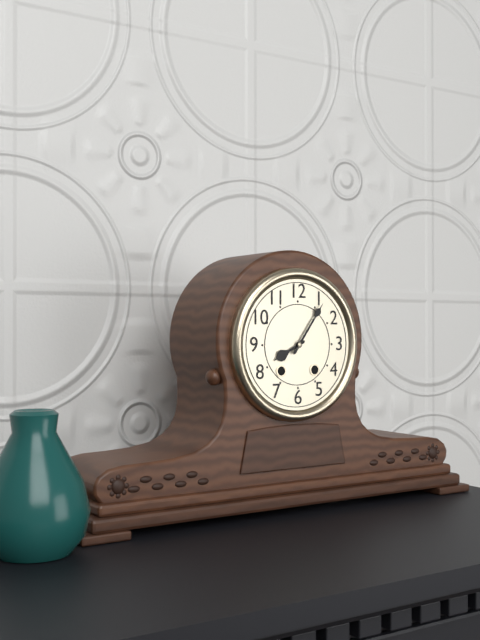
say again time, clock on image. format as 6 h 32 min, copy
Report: 8 h 06 min
